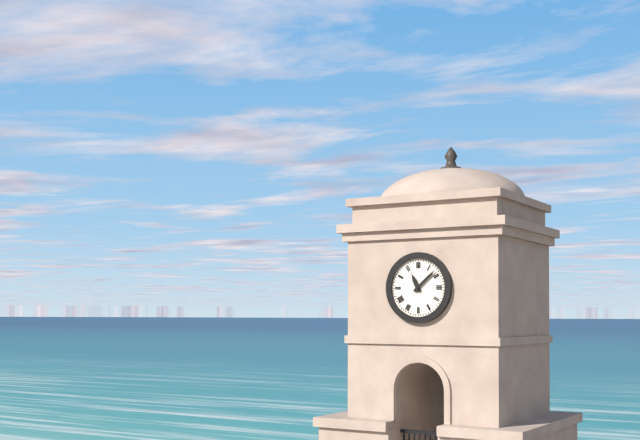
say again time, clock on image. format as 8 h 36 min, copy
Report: 11 h 08 min
